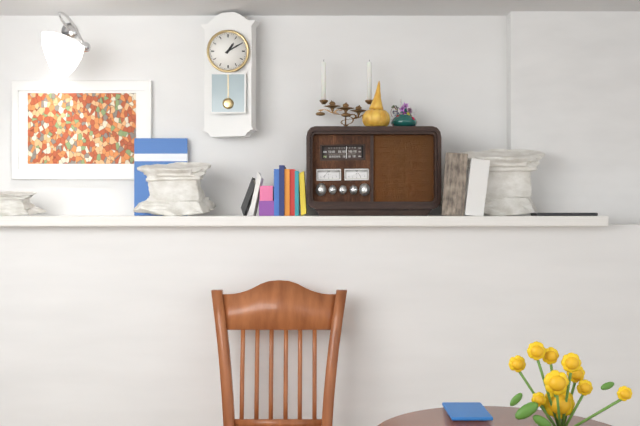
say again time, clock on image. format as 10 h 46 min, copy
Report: 1 h 10 min
